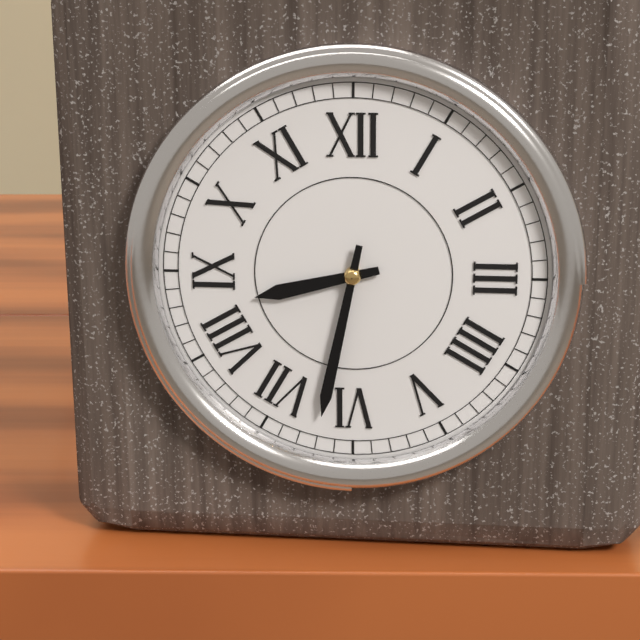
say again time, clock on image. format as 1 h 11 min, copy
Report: 8 h 32 min
